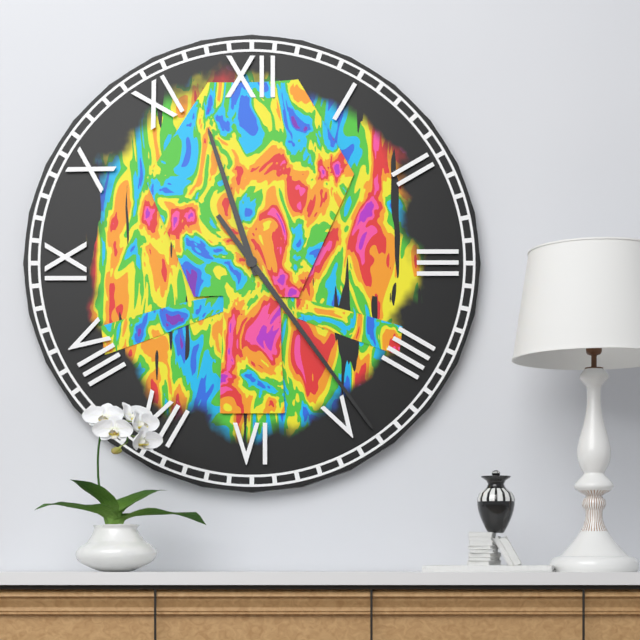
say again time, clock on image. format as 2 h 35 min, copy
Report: 11 h 24 min
